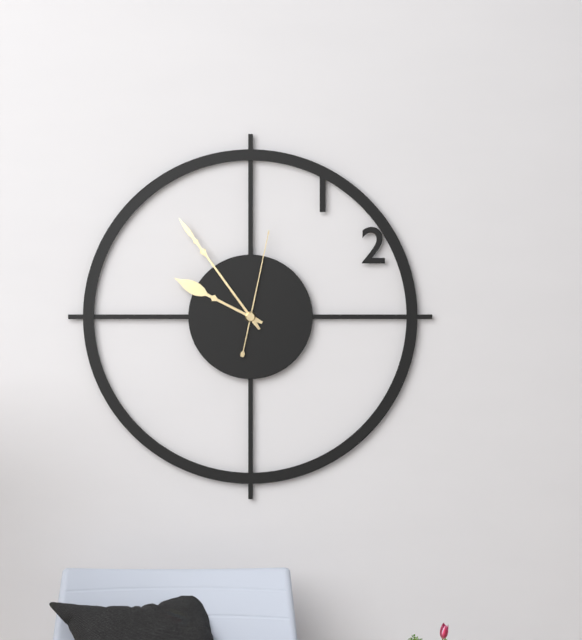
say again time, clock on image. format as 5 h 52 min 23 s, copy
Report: 9 h 54 min 02 s
